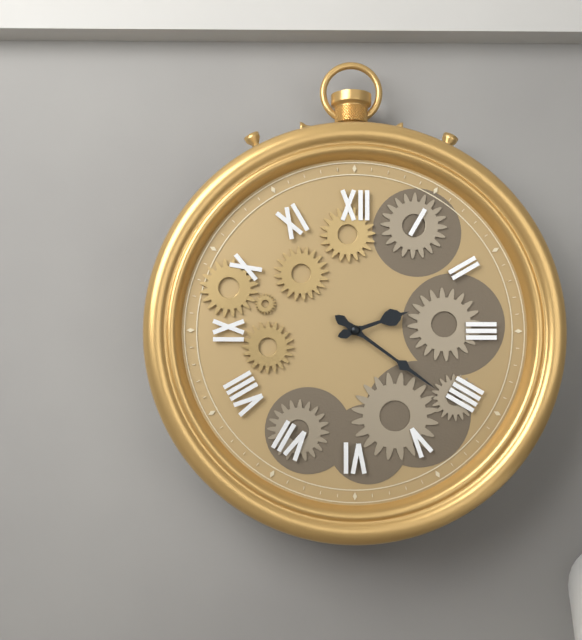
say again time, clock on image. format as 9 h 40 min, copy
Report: 2 h 21 min
